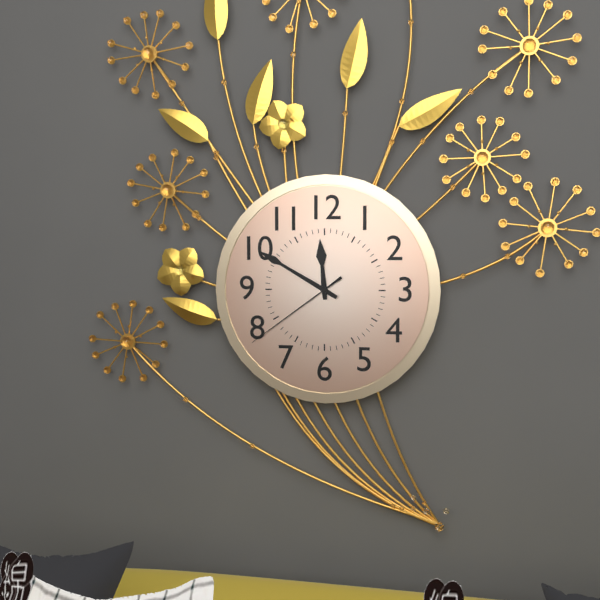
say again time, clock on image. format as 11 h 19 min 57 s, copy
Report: 11 h 50 min 39 s
